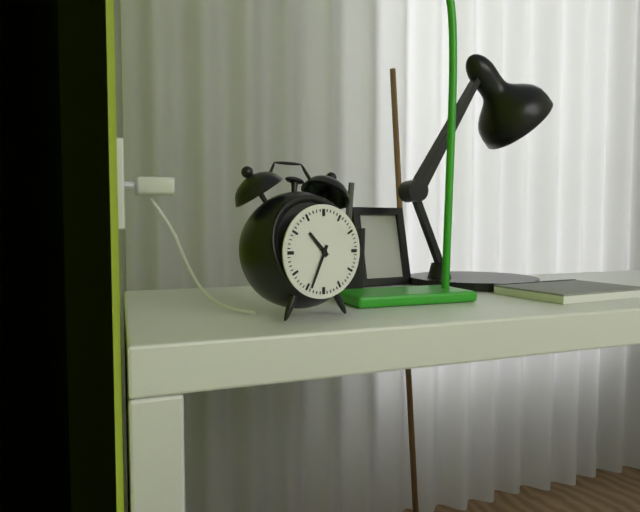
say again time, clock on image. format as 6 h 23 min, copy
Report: 10 h 34 min
